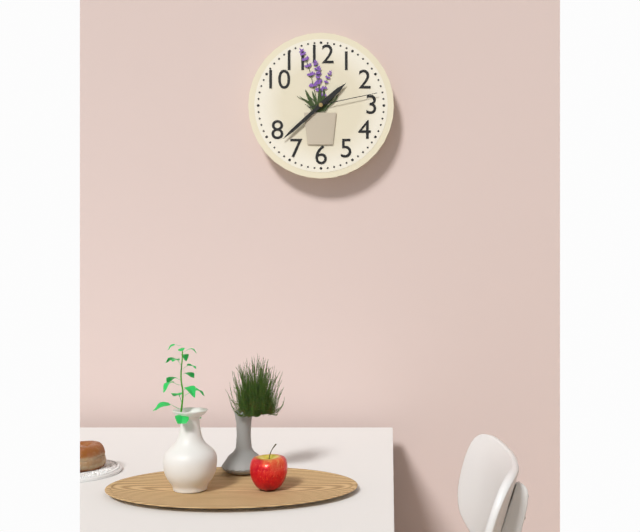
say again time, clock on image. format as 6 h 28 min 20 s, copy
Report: 1 h 38 min 13 s
